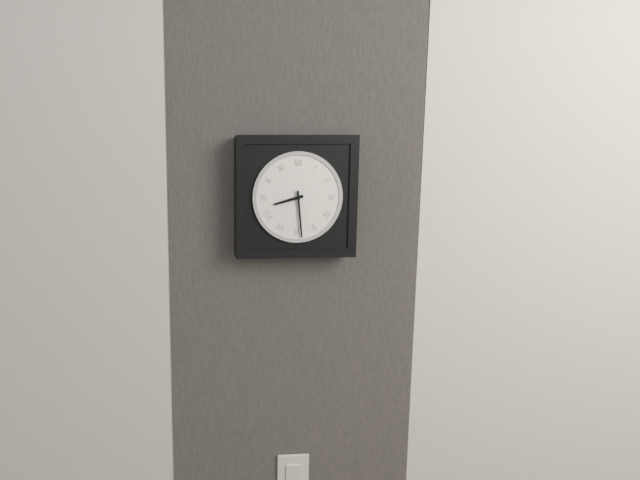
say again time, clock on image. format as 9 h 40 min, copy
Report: 8 h 29 min
